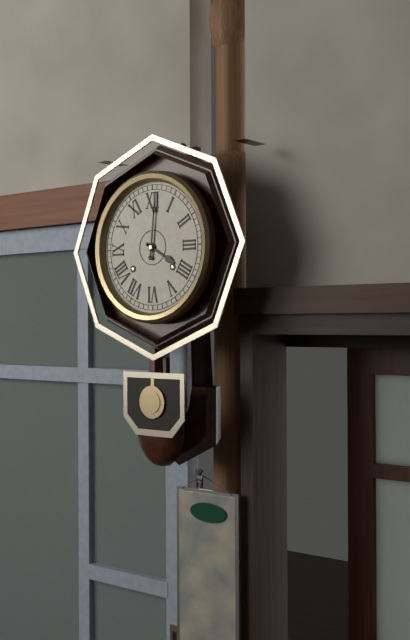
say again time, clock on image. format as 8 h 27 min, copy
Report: 4 h 01 min
